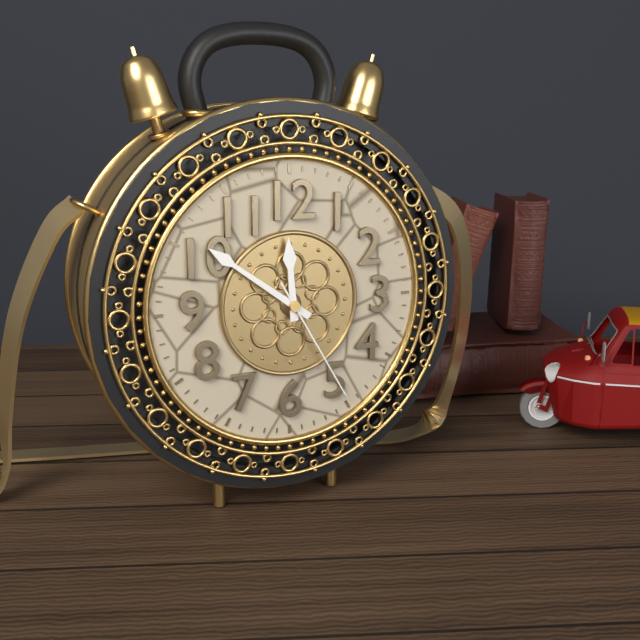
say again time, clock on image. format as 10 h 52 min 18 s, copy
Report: 11 h 51 min 25 s
